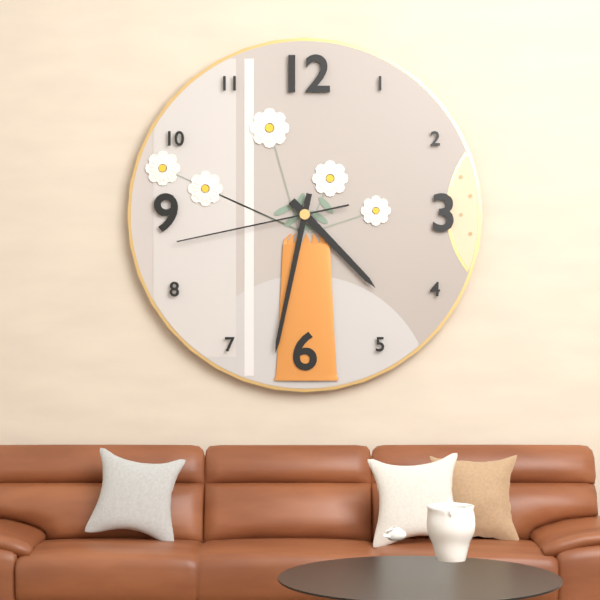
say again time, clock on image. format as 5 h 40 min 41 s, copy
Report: 4 h 32 min 43 s
